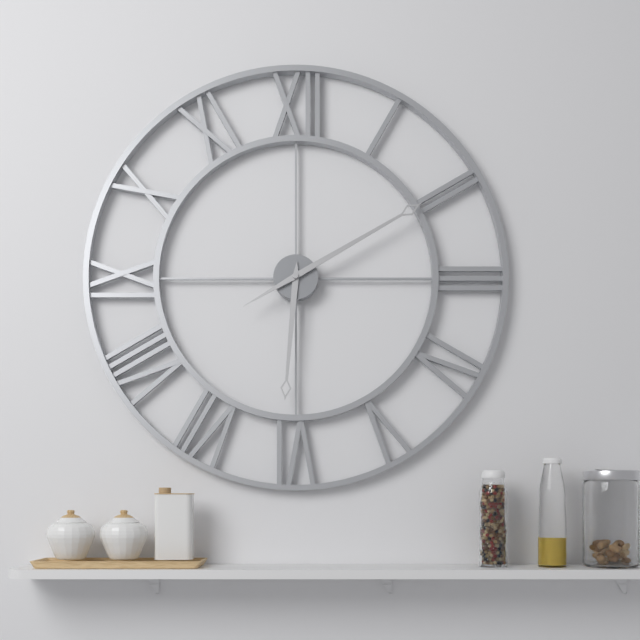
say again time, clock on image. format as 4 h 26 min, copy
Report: 6 h 10 min
